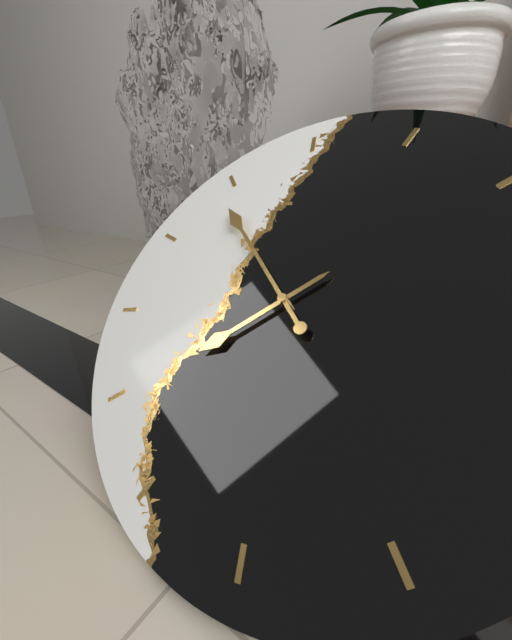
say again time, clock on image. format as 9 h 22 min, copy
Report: 7 h 54 min
